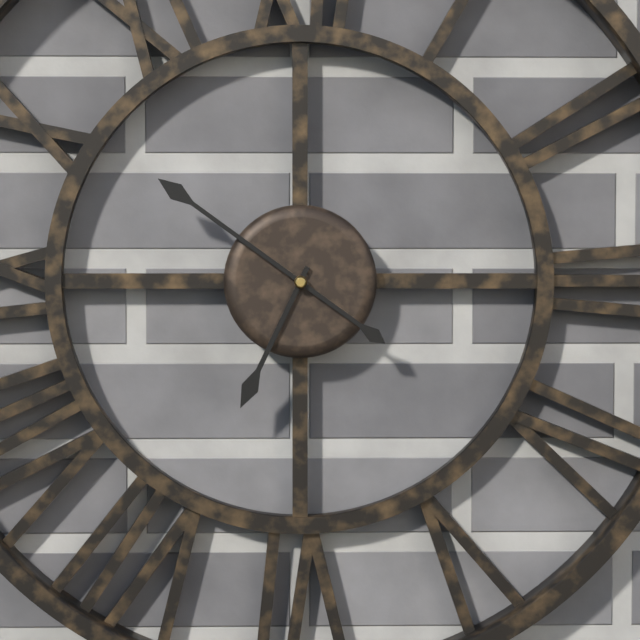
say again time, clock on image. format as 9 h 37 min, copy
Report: 6 h 51 min
